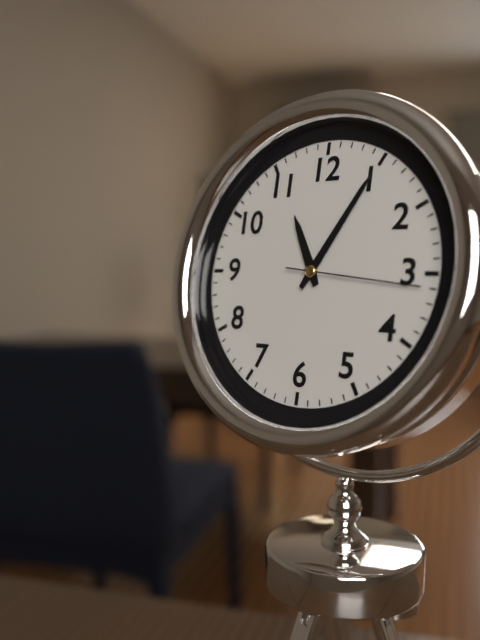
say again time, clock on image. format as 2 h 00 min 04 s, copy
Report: 11 h 05 min 16 s
